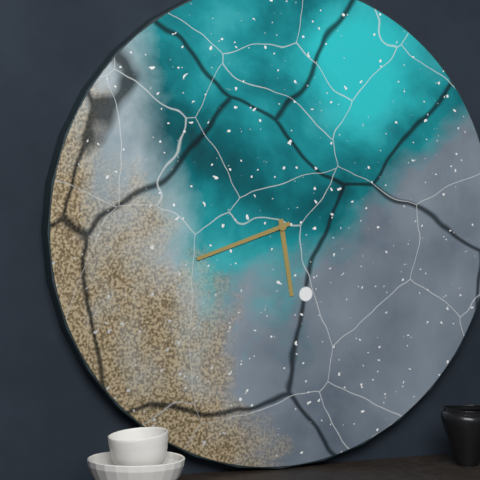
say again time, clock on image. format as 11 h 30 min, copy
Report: 5 h 42 min
